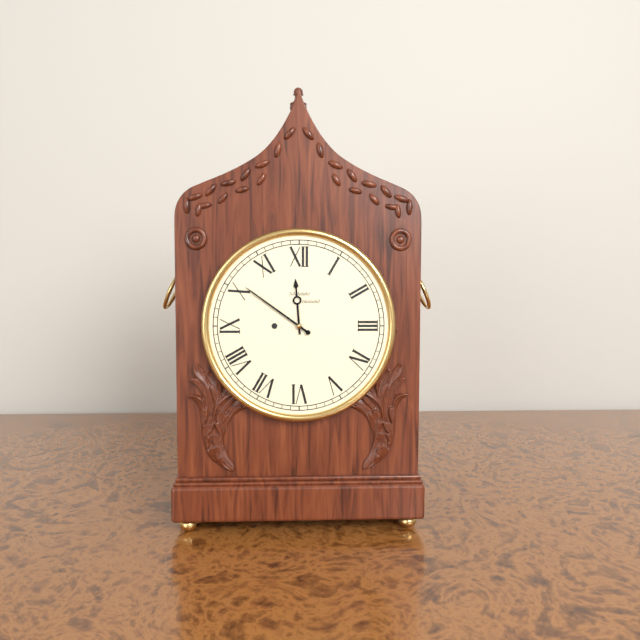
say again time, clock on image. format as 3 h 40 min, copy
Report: 11 h 51 min
